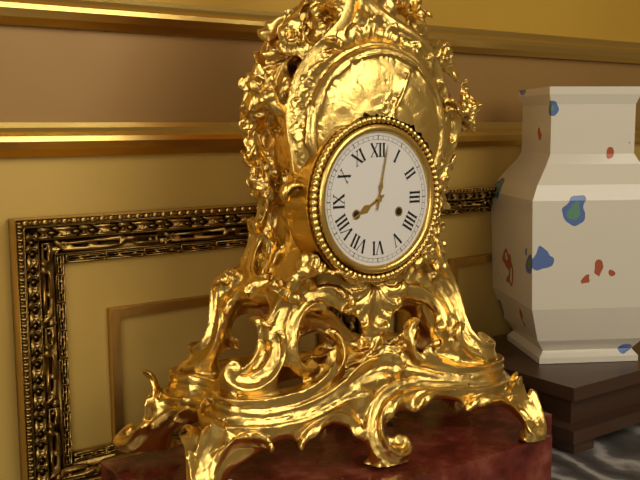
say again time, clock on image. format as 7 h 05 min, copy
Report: 8 h 02 min
